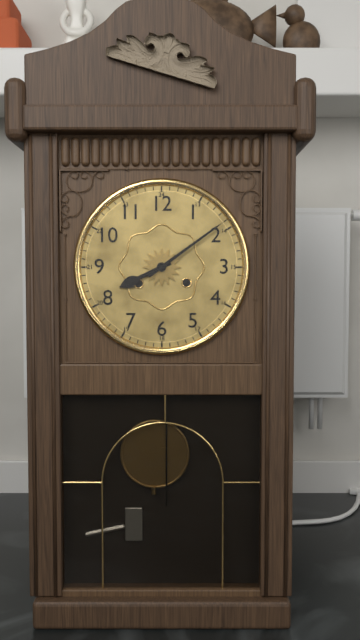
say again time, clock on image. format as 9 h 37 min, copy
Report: 8 h 09 min
